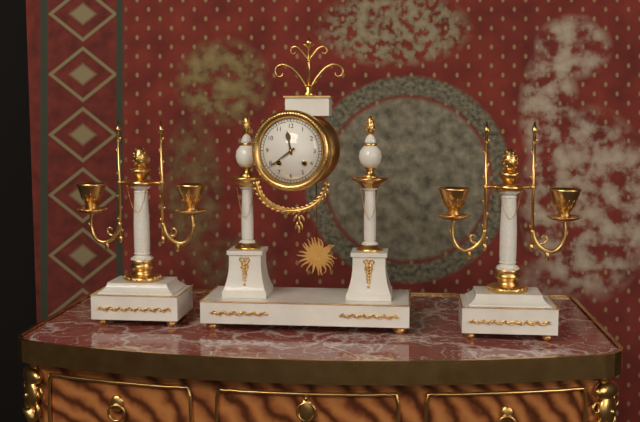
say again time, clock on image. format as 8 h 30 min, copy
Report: 11 h 39 min
